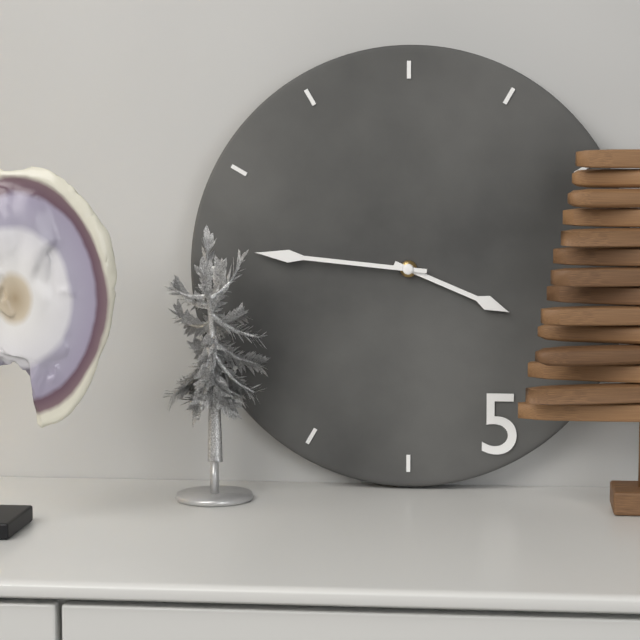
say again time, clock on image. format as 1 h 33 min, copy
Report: 3 h 46 min
